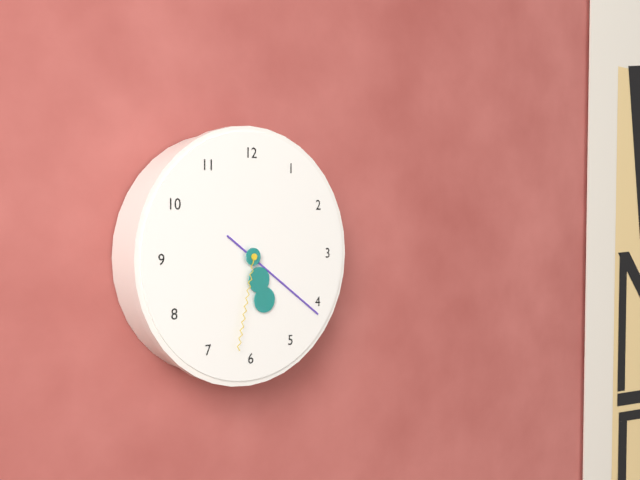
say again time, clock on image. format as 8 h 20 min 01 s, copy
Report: 5 h 21 min 32 s
